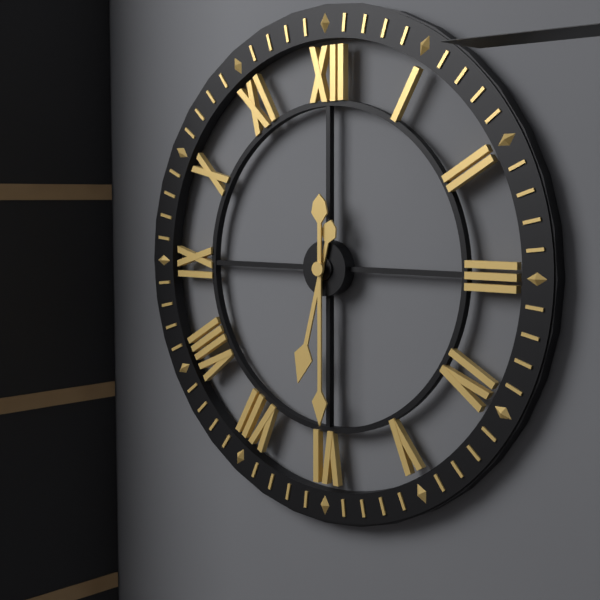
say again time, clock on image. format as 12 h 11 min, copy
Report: 6 h 30 min
